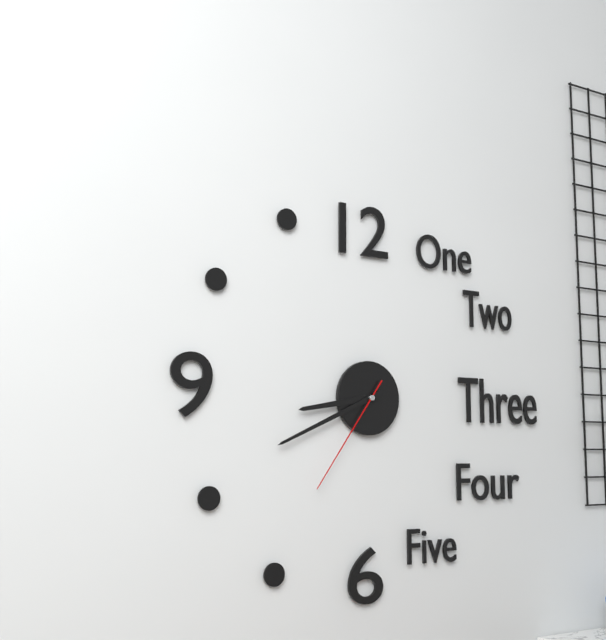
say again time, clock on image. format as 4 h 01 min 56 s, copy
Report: 8 h 41 min 36 s
